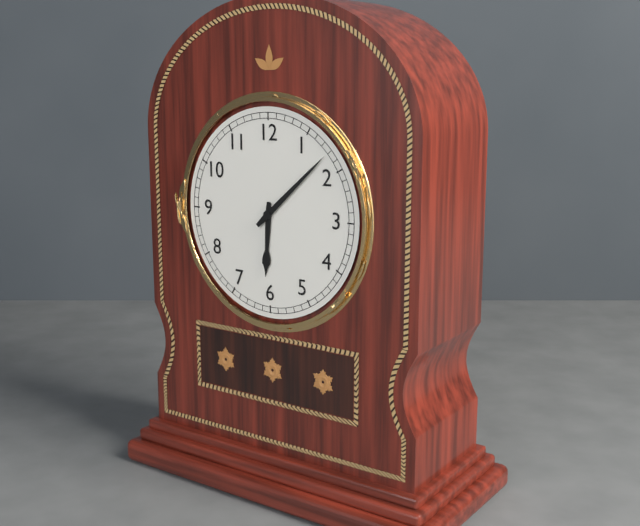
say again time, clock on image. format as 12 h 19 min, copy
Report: 6 h 08 min
